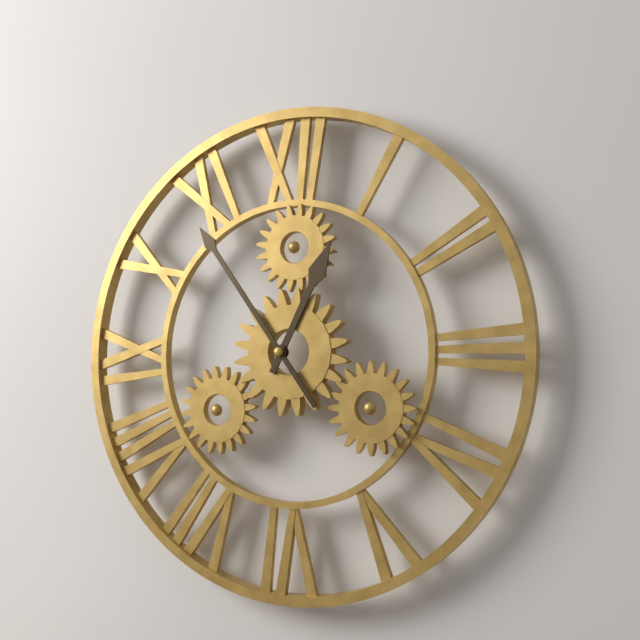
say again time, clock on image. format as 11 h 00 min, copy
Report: 12 h 54 min
